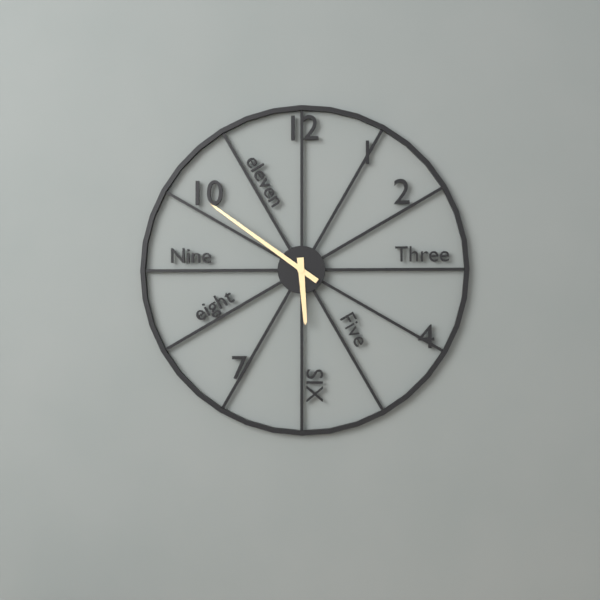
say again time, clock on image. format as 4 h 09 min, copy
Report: 5 h 51 min
